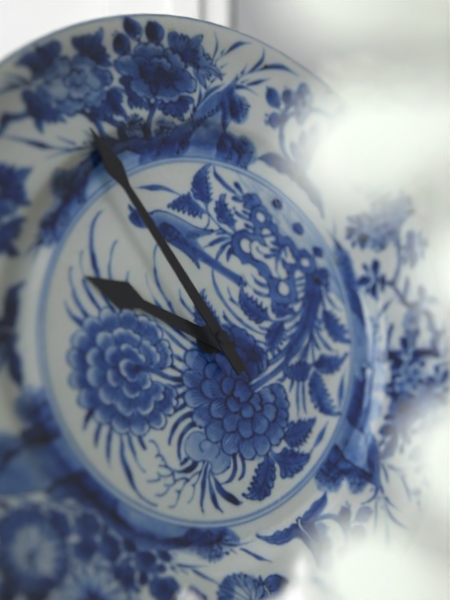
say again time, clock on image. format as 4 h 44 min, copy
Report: 9 h 55 min
